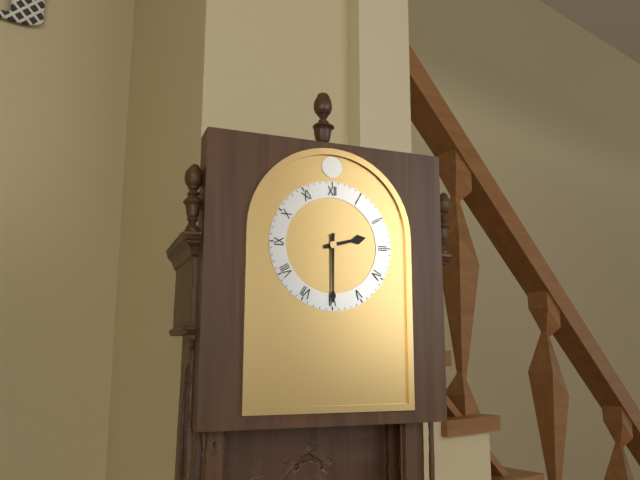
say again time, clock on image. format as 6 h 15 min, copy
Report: 2 h 30 min
